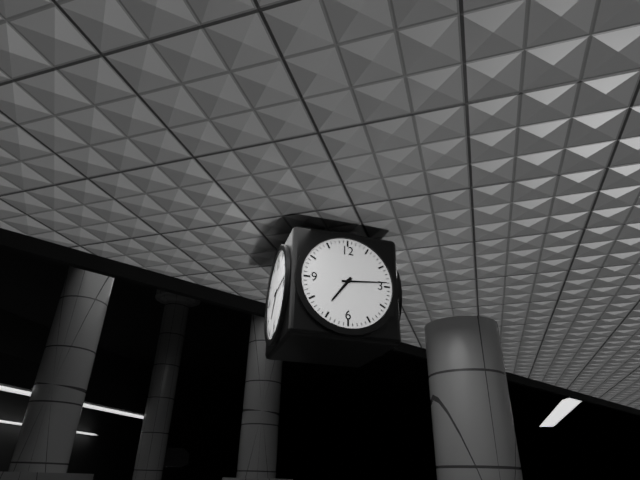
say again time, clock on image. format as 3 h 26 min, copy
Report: 7 h 14 min
